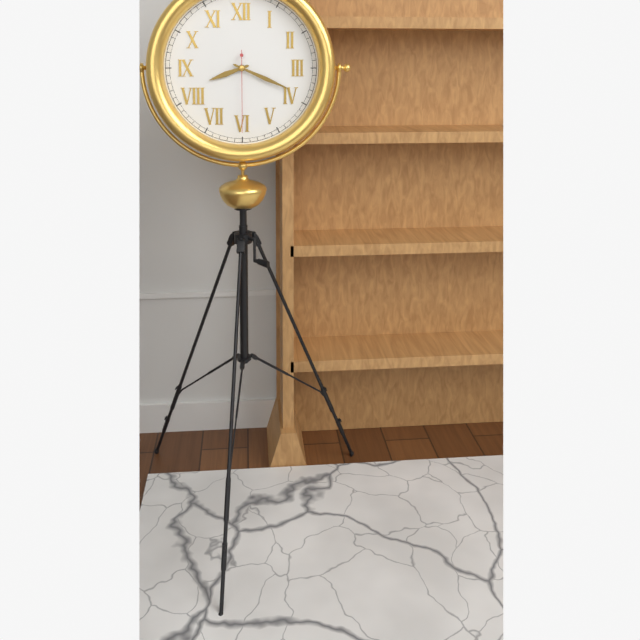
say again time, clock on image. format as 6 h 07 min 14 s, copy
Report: 8 h 19 min 30 s
